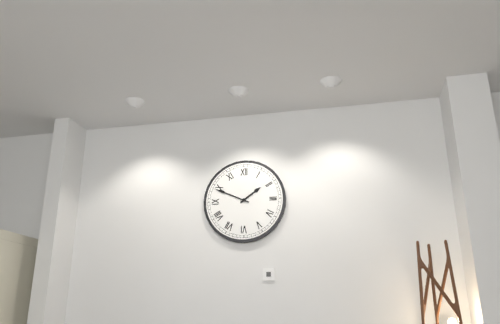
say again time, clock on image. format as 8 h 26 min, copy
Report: 1 h 49 min
